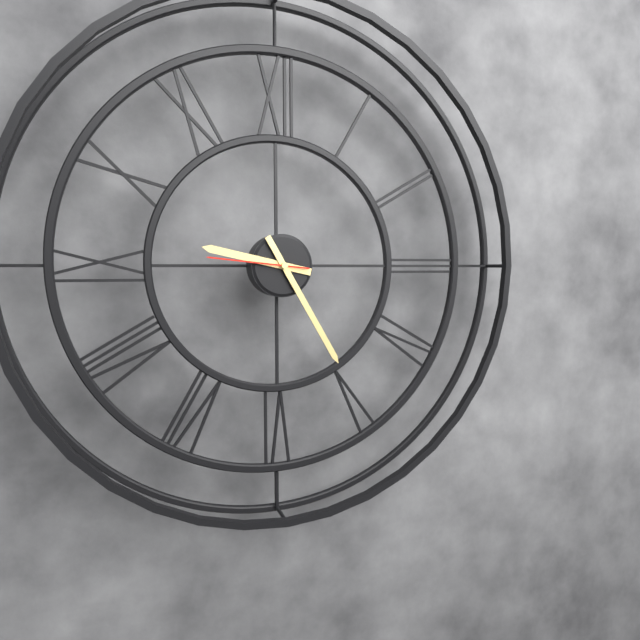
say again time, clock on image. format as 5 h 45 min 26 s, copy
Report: 9 h 25 min 46 s
